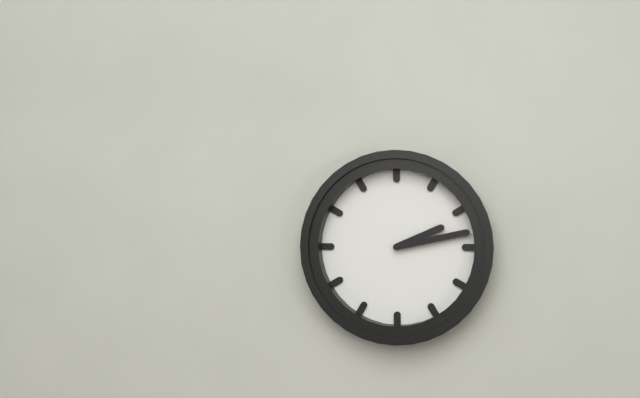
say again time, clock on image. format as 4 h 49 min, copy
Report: 2 h 13 min
